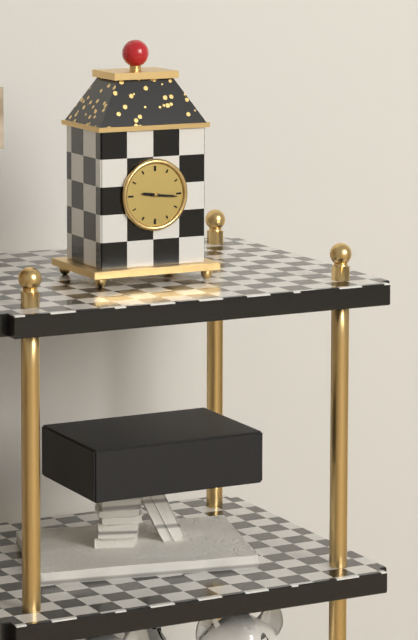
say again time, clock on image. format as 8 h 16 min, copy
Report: 9 h 16 min
